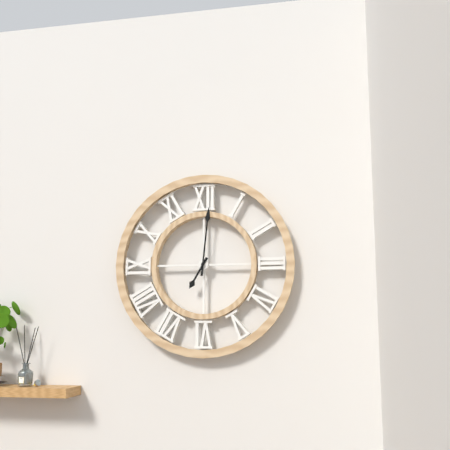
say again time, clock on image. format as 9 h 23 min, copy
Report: 7 h 01 min
